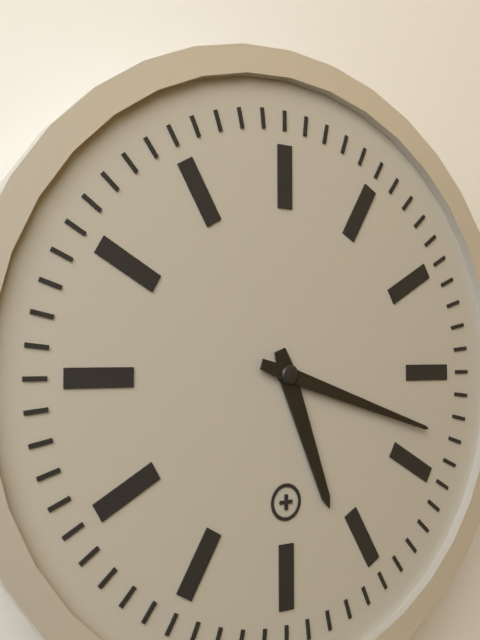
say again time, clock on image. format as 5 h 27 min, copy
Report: 5 h 18 min
